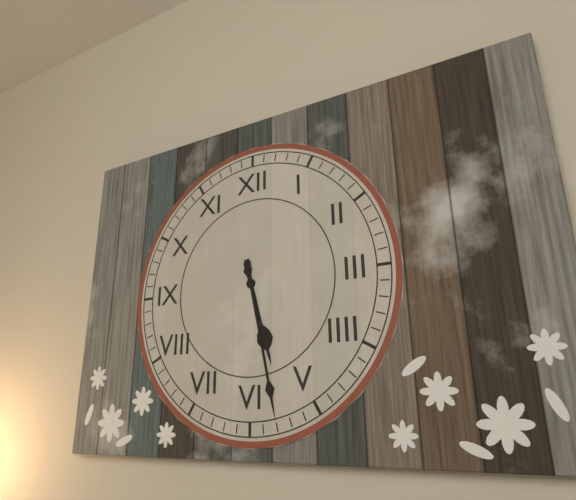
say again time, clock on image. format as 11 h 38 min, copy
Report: 5 h 28 min
